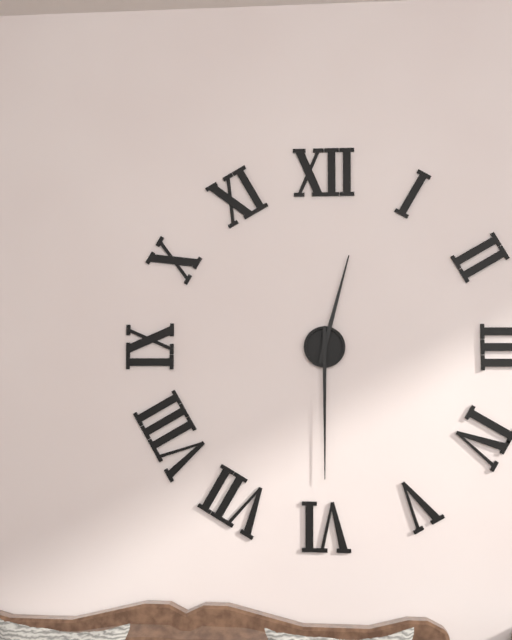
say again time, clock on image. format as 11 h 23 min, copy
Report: 12 h 30 min
